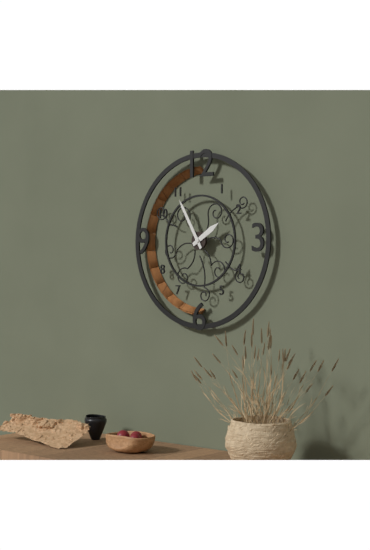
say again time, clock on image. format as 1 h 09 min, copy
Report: 1 h 55 min
